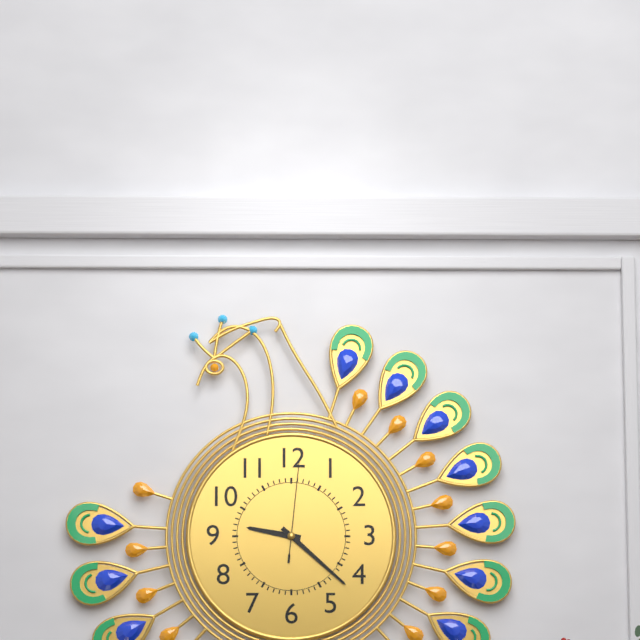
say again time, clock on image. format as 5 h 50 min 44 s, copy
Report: 9 h 22 min 01 s
